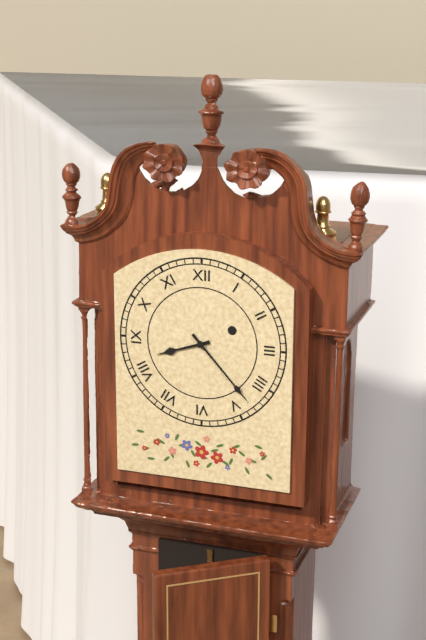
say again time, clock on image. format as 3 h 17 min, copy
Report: 8 h 23 min
